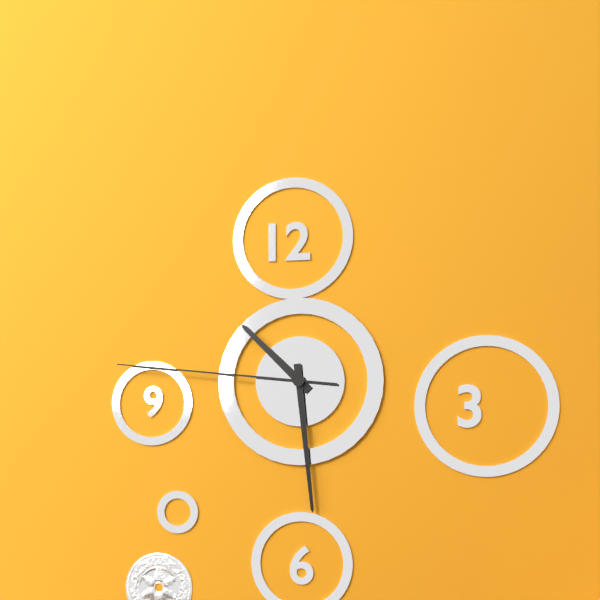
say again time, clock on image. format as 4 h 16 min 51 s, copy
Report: 10 h 29 min 46 s
